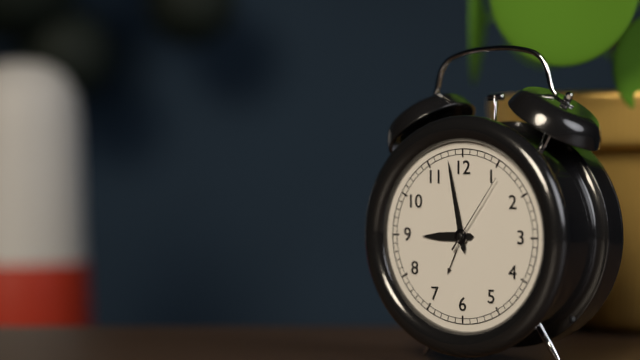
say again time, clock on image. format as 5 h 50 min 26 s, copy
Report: 8 h 58 min 06 s
